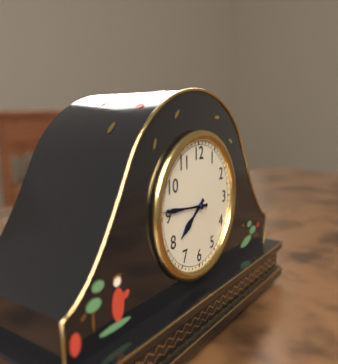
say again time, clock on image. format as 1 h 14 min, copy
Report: 7 h 46 min
